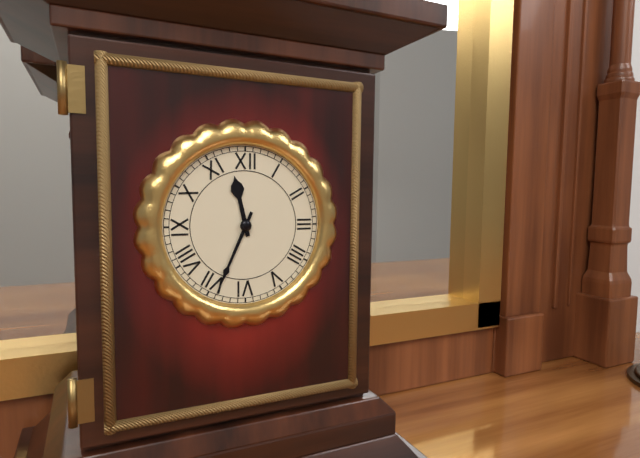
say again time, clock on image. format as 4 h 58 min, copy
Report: 11 h 34 min
